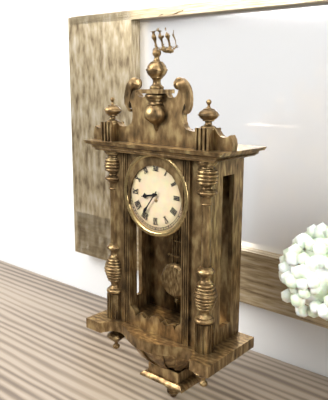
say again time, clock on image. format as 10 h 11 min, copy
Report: 8 h 36 min
